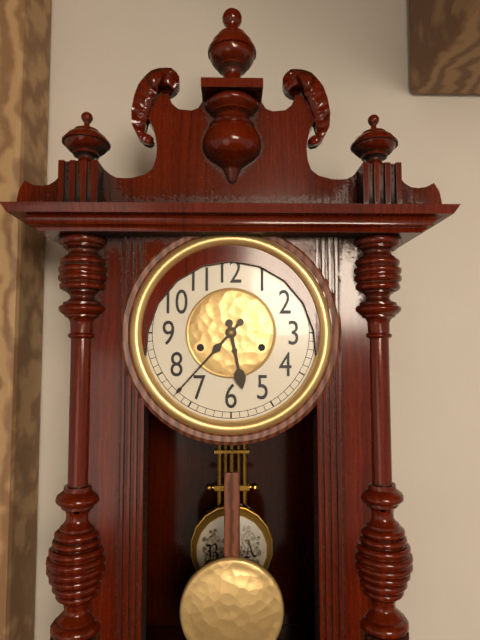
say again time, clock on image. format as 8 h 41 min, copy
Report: 5 h 37 min
